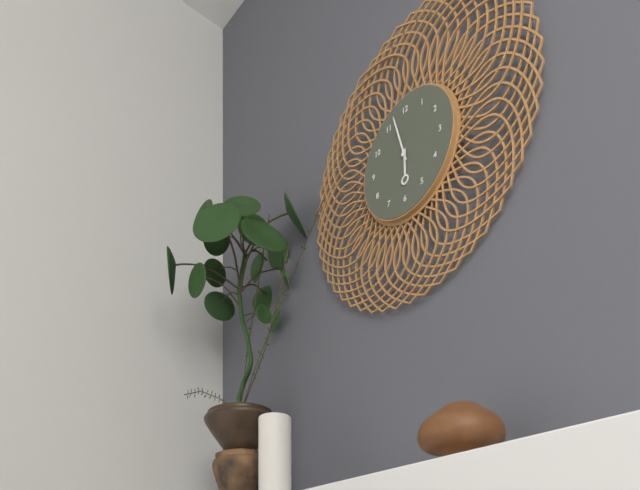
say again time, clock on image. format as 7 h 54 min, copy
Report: 5 h 57 min
